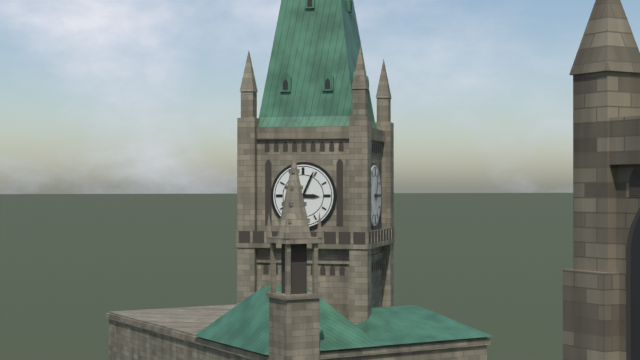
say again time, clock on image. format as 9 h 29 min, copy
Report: 3 h 04 min
